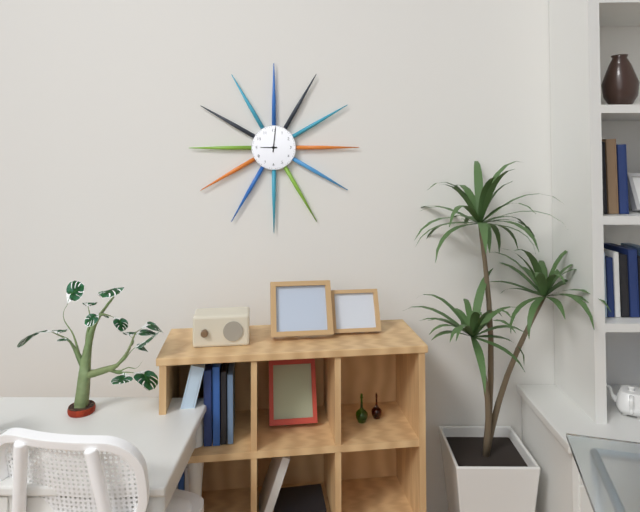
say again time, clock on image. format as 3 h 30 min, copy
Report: 9 h 01 min
